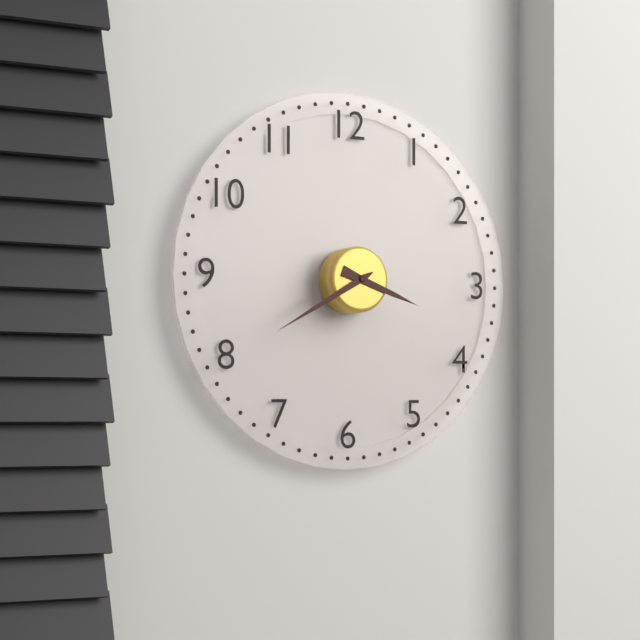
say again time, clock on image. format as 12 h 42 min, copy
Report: 3 h 40 min
